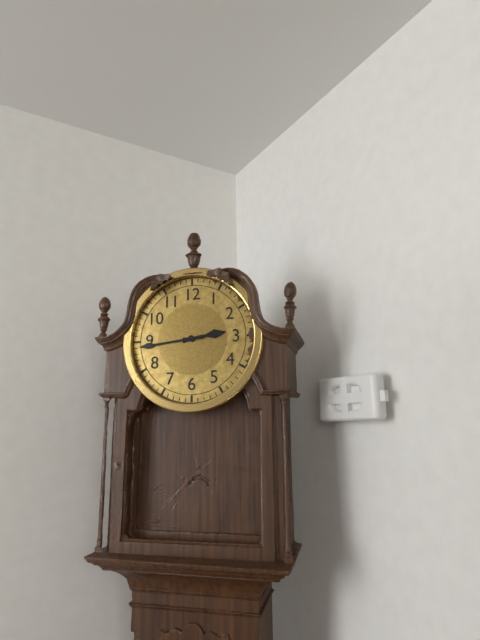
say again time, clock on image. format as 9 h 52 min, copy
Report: 2 h 44 min
